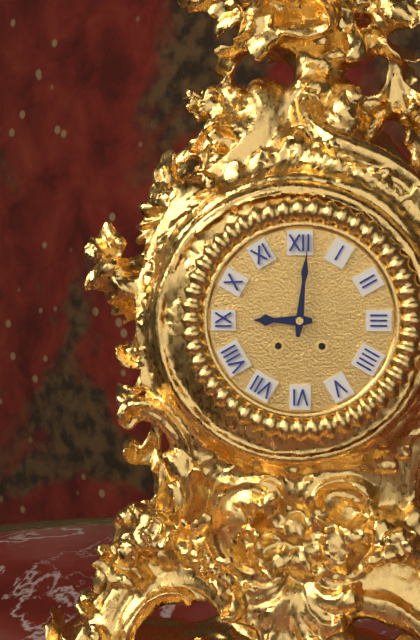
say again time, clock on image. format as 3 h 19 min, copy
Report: 9 h 01 min
